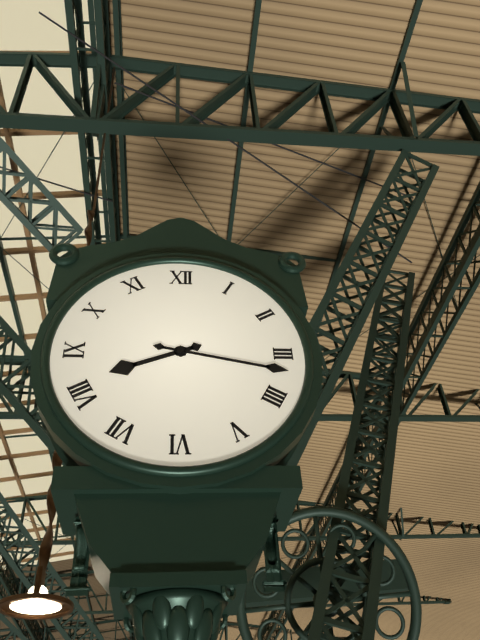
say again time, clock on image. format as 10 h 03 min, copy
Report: 8 h 17 min
